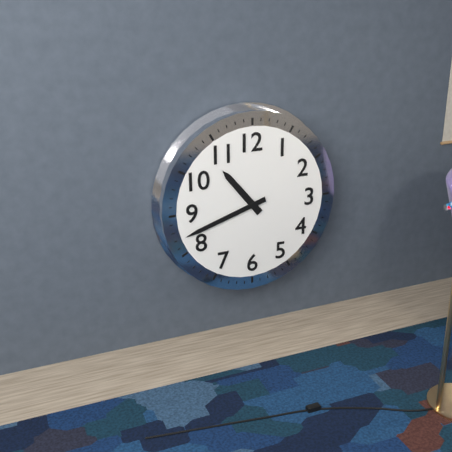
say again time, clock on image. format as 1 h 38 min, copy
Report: 10 h 42 min
